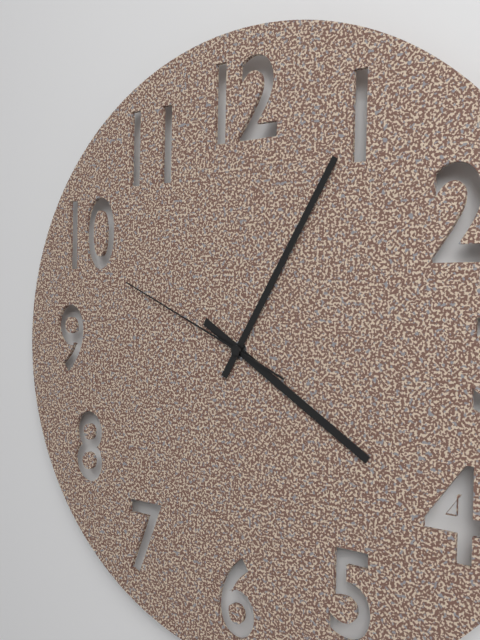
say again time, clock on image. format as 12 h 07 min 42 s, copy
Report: 4 h 05 min 49 s
